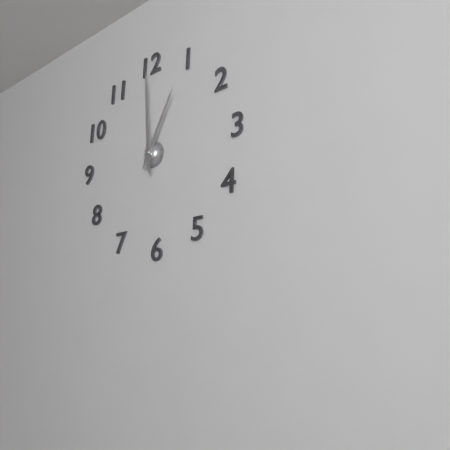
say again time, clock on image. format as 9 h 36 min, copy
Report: 1 h 00 min
